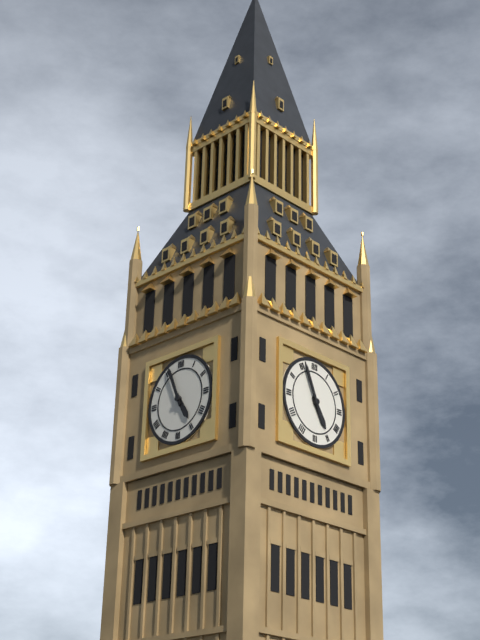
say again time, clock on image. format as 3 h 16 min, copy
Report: 4 h 56 min
